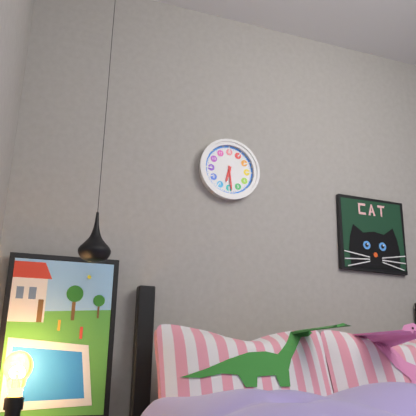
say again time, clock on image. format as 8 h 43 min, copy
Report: 6 h 29 min
